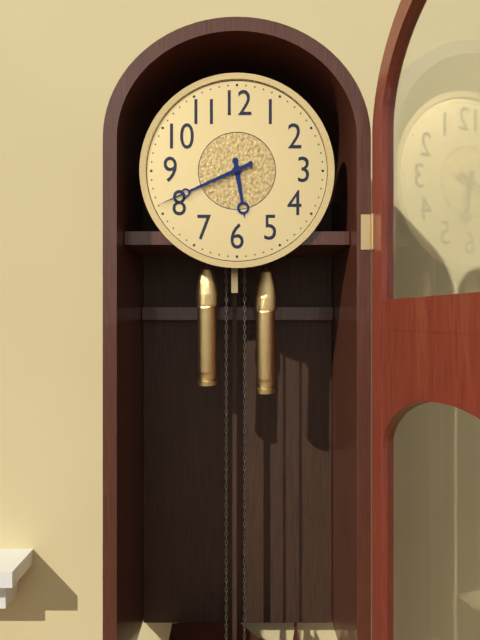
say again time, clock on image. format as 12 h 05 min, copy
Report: 5 h 41 min
